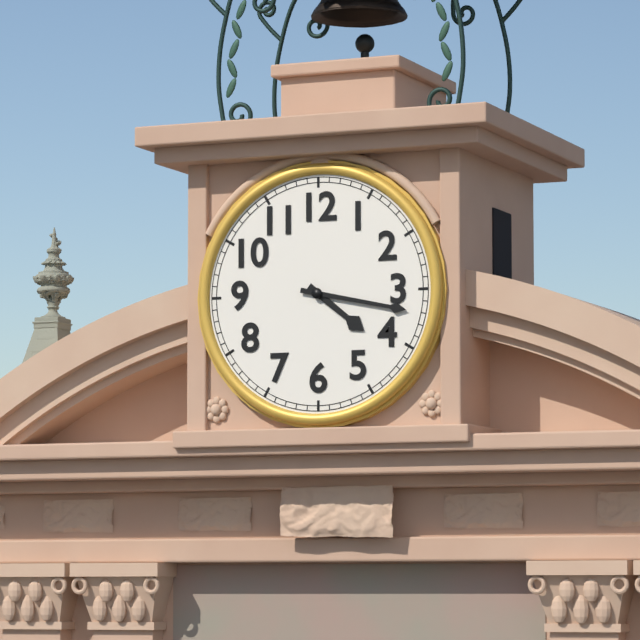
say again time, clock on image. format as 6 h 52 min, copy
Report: 4 h 17 min
